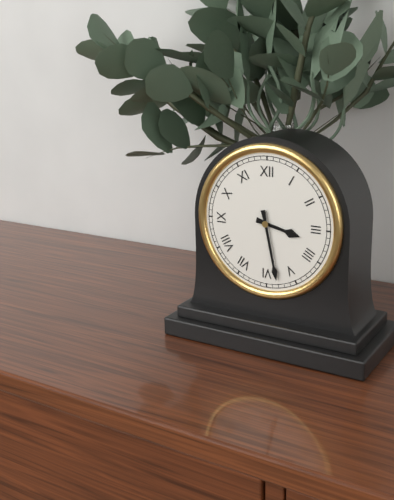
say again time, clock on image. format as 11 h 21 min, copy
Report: 3 h 28 min
